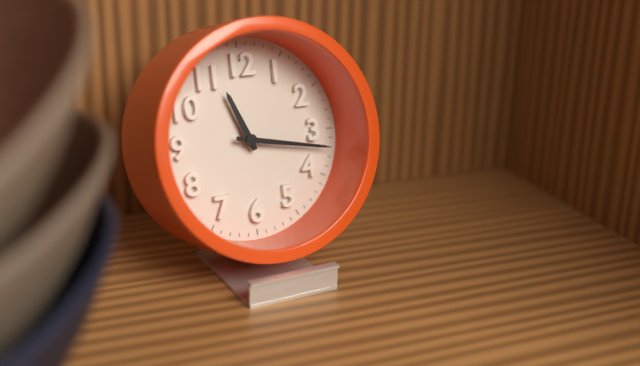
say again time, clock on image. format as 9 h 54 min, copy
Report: 11 h 17 min
